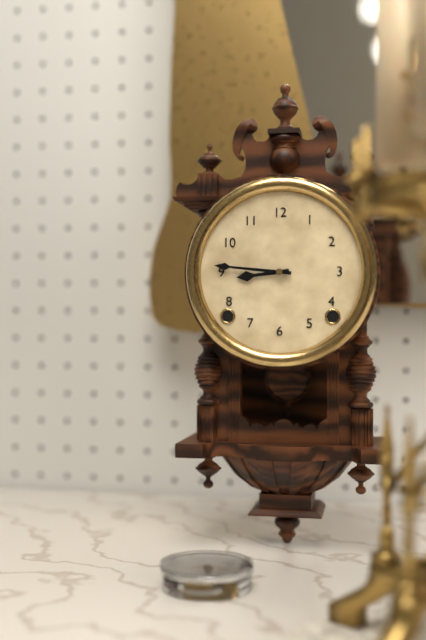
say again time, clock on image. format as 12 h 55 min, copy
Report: 8 h 46 min
